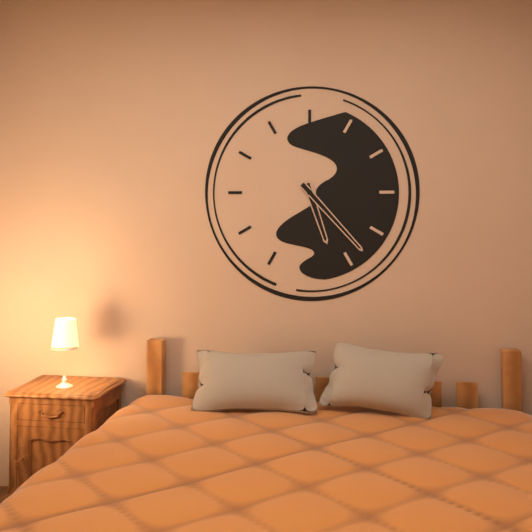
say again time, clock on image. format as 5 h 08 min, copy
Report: 5 h 23 min
